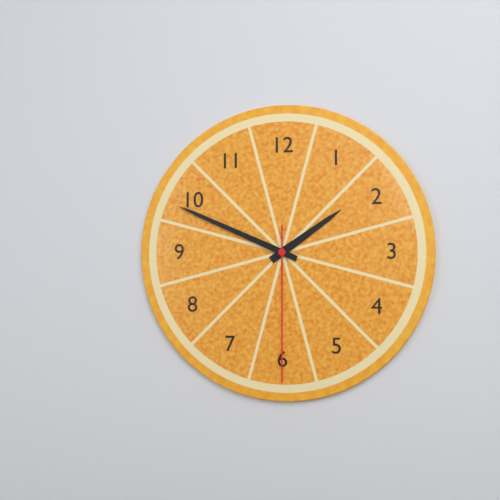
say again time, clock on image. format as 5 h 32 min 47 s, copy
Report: 1 h 49 min 30 s
